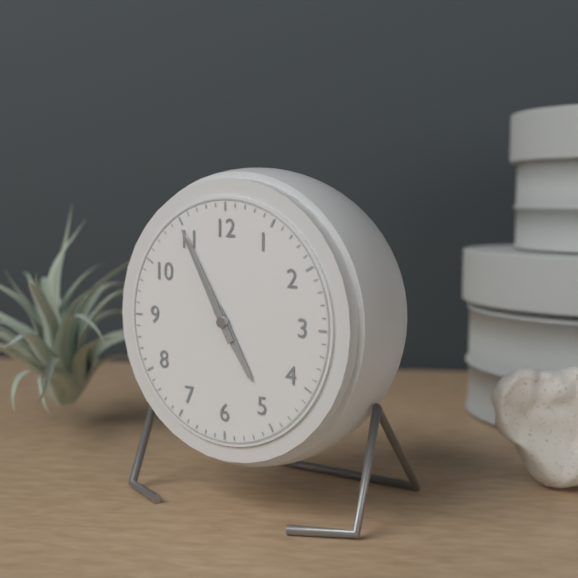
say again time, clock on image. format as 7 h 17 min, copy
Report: 4 h 55 min
